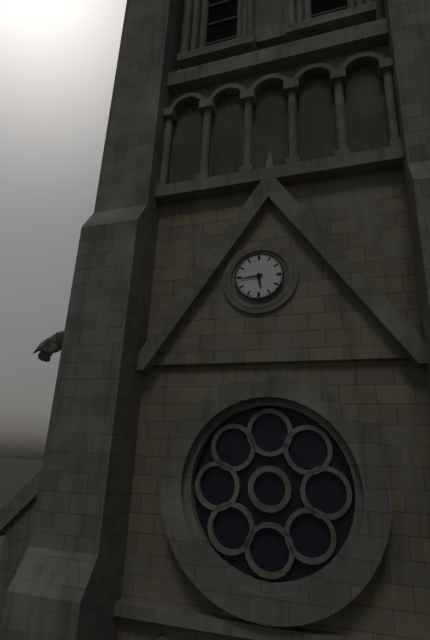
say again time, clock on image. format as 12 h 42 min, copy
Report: 5 h 44 min
